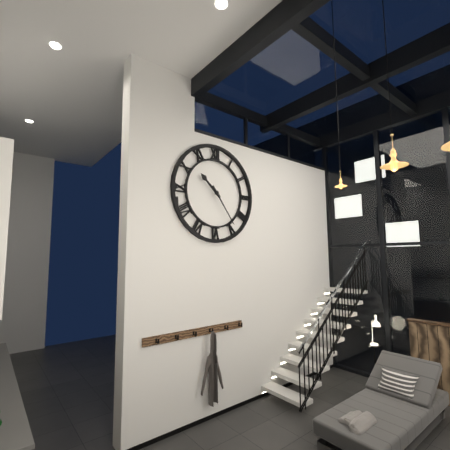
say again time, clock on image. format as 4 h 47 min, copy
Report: 10 h 24 min
